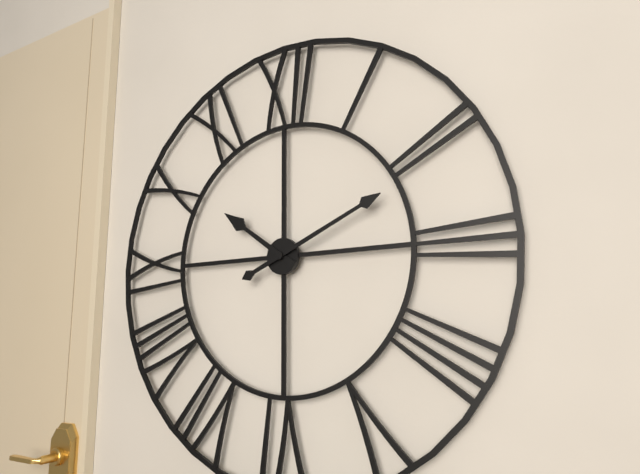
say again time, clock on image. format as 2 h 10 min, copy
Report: 10 h 11 min
